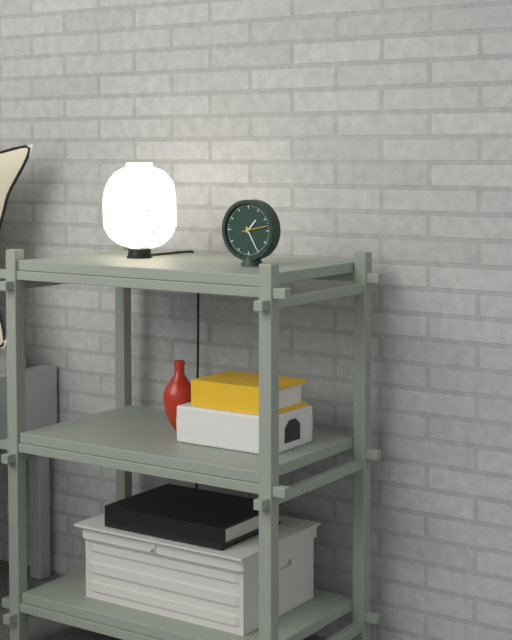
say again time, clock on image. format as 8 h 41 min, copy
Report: 1 h 25 min
